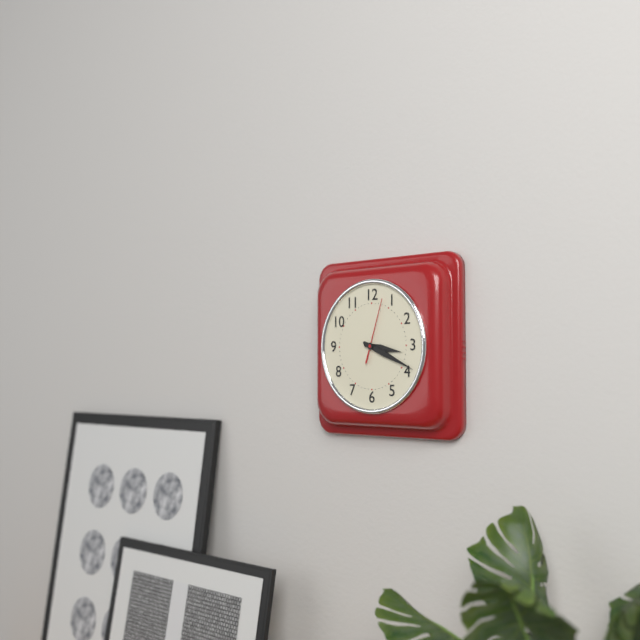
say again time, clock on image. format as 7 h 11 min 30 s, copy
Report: 3 h 19 min 03 s
